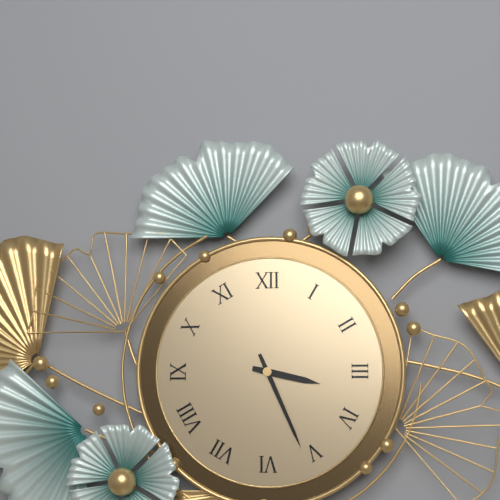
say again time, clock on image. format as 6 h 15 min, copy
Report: 3 h 26 min
